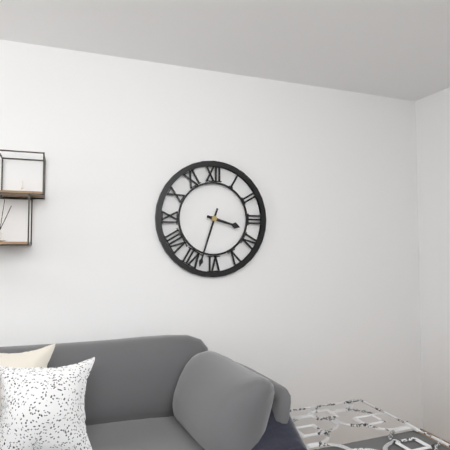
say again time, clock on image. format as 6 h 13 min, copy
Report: 3 h 33 min
